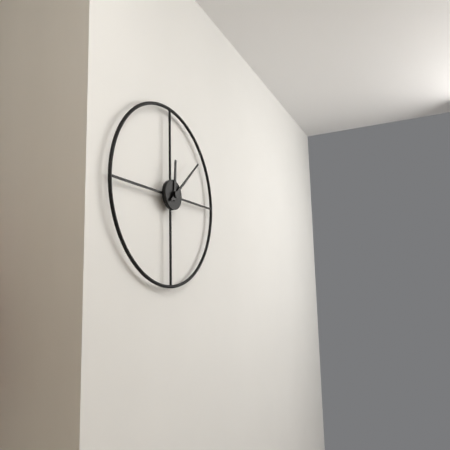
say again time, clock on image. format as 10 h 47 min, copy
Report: 12 h 08 min
